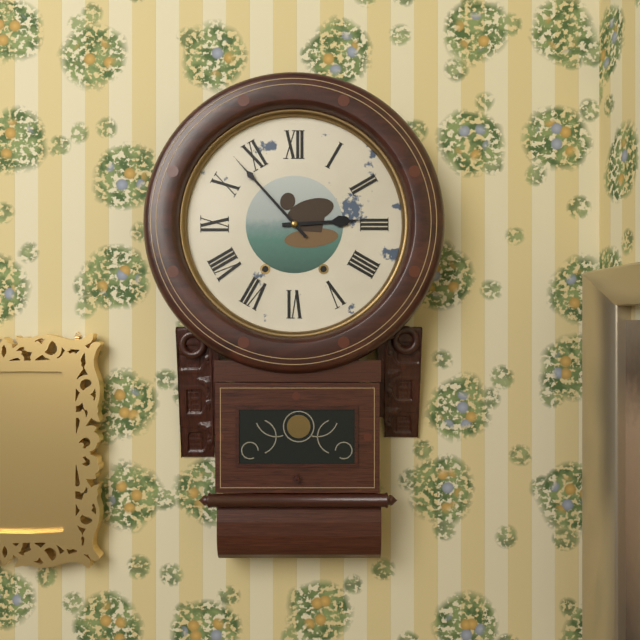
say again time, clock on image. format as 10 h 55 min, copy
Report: 2 h 53 min
